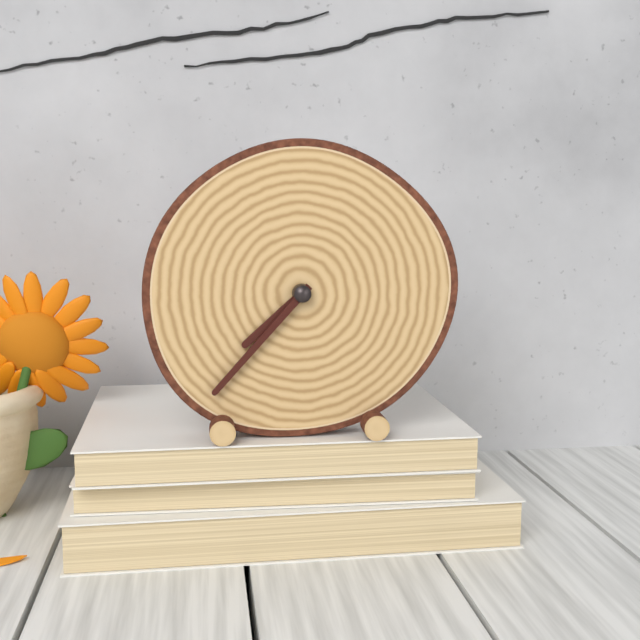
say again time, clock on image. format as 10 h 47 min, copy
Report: 7 h 37 min
